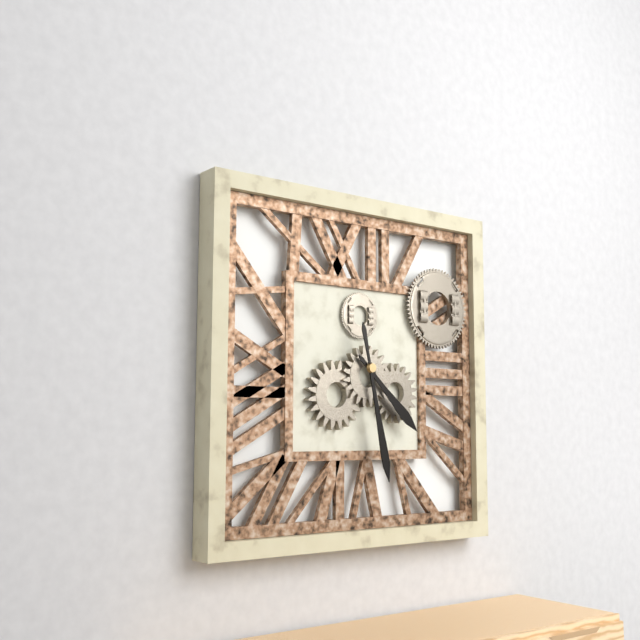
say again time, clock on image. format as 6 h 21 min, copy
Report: 4 h 28 min
